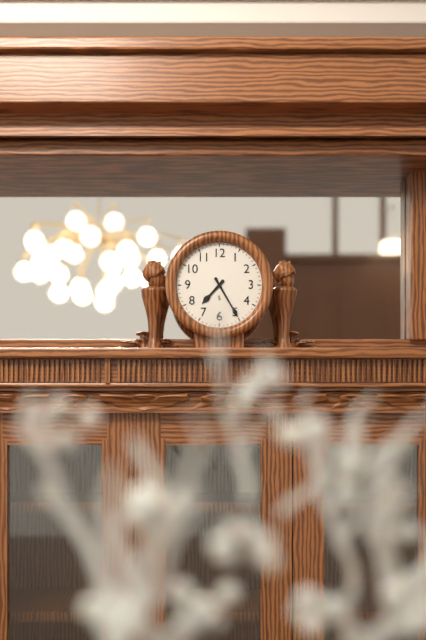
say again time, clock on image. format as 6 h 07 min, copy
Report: 7 h 25 min
